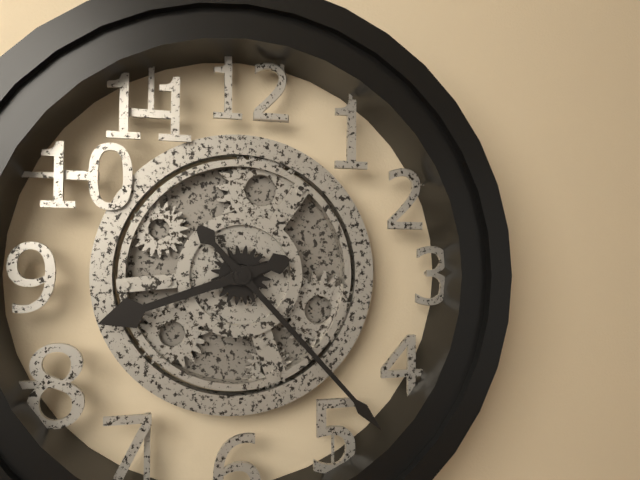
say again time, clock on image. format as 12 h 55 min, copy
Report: 8 h 23 min
